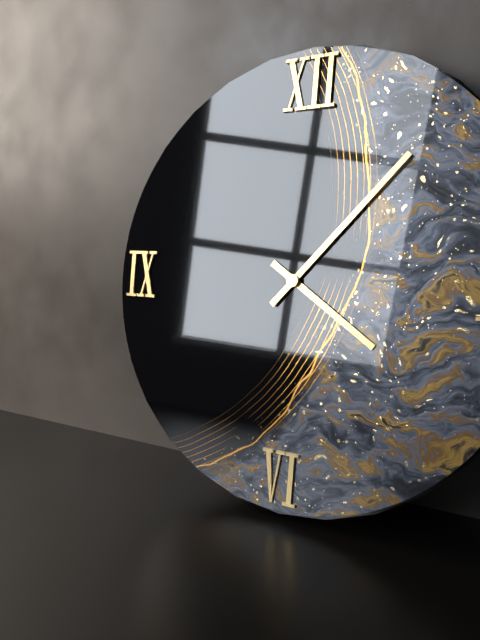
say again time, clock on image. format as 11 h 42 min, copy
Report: 4 h 07 min
